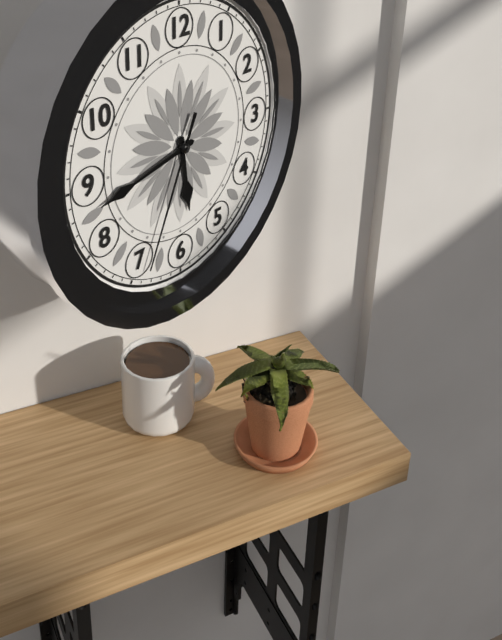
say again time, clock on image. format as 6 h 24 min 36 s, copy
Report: 5 h 43 min 34 s
